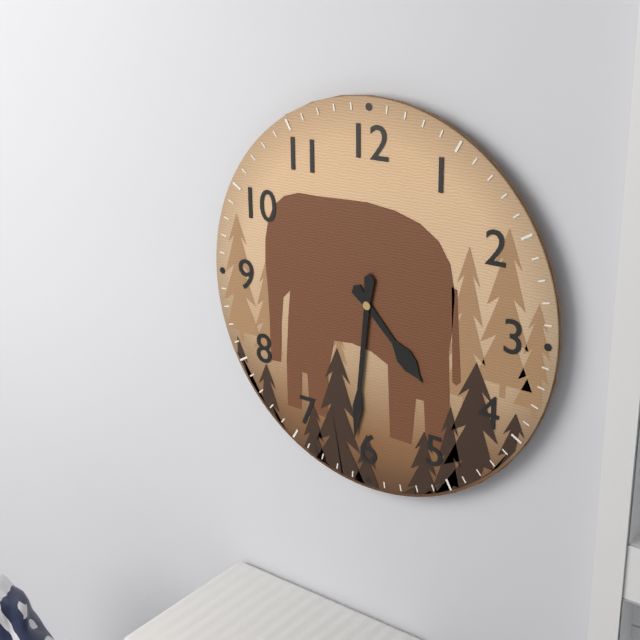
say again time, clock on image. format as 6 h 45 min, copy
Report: 4 h 31 min
